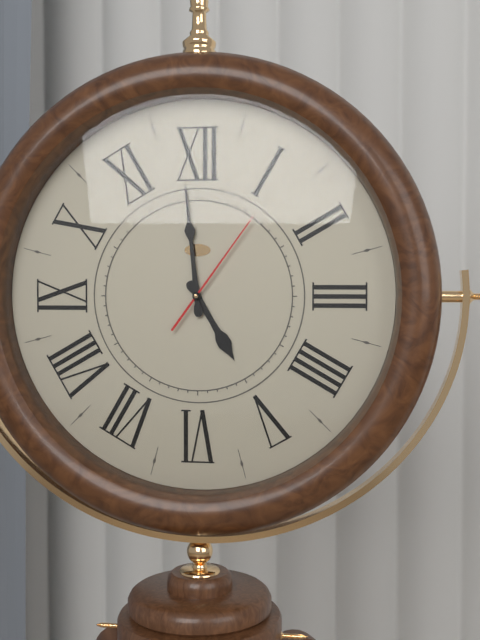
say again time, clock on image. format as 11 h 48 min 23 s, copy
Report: 4 h 59 min 06 s
